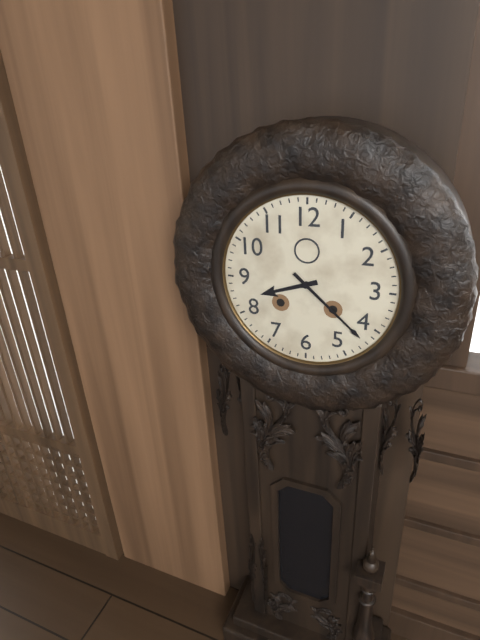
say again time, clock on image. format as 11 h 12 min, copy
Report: 8 h 22 min
